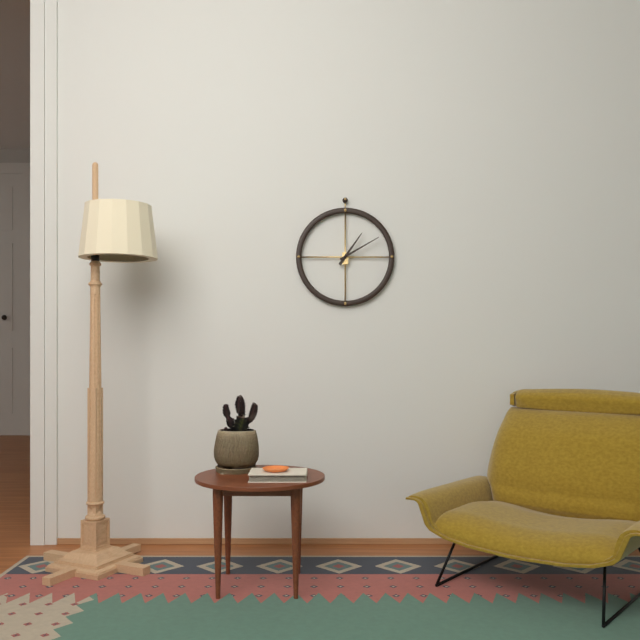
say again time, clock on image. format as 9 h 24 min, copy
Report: 1 h 10 min
